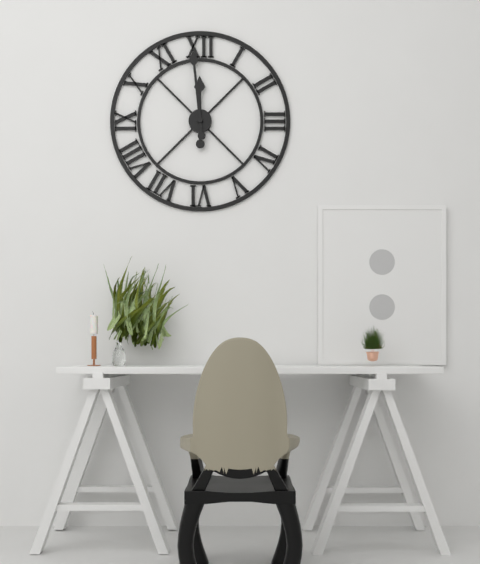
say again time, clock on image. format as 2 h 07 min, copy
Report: 11 h 59 min
